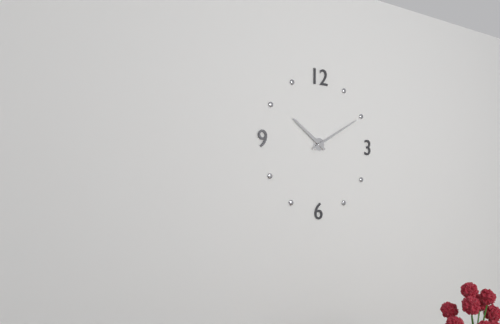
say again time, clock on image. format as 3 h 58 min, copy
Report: 10 h 10 min
